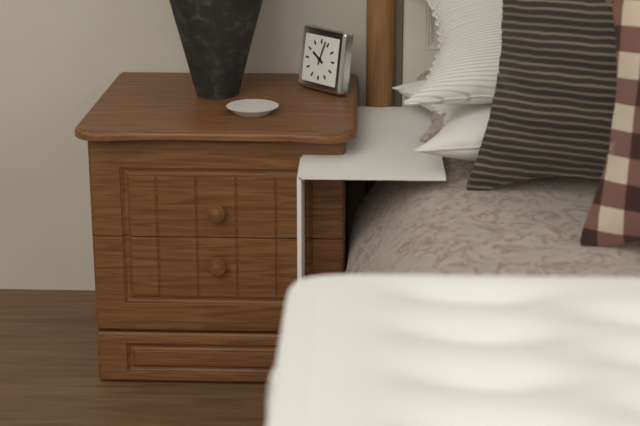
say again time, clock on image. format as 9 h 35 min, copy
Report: 10 h 03 min
